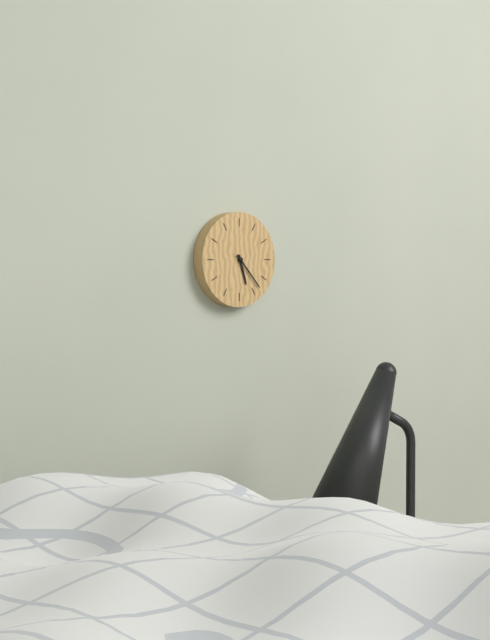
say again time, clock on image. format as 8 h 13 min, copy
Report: 5 h 23 min
